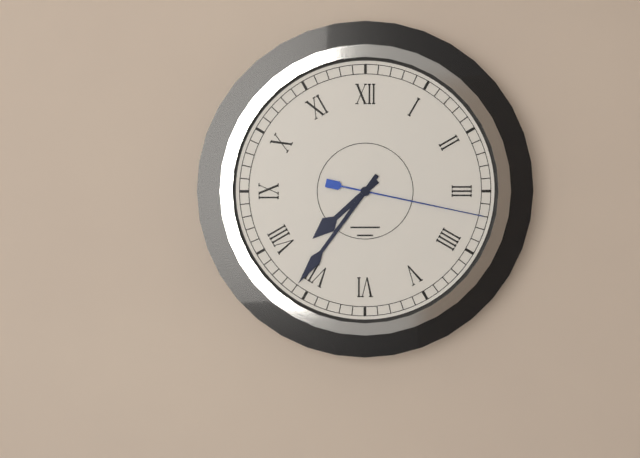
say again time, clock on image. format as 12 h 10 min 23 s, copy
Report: 7 h 36 min 17 s
